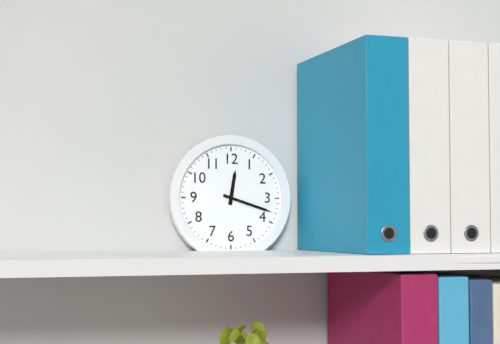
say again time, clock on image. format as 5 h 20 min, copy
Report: 12 h 18 min
